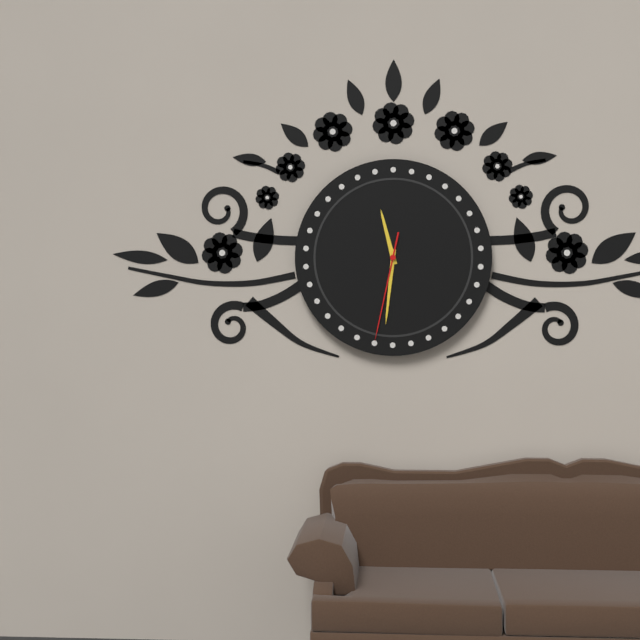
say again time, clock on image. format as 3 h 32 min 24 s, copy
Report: 11 h 31 min 32 s
